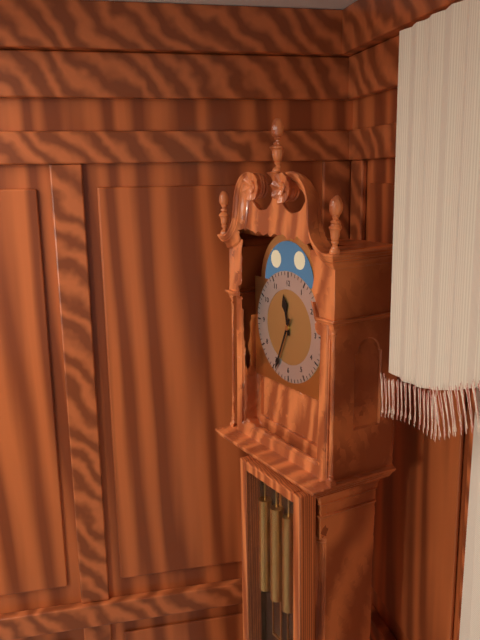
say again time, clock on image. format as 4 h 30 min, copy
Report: 11 h 34 min
